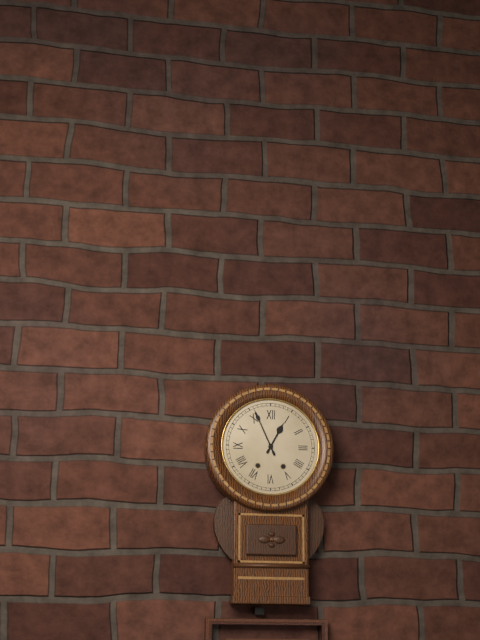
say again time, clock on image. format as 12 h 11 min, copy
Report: 12 h 56 min
